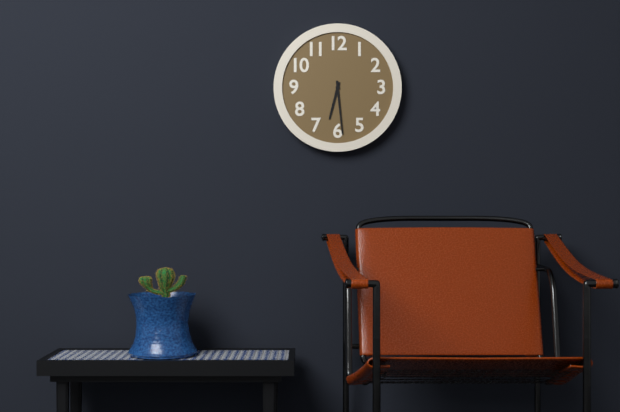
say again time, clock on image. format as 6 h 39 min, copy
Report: 6 h 29 min
